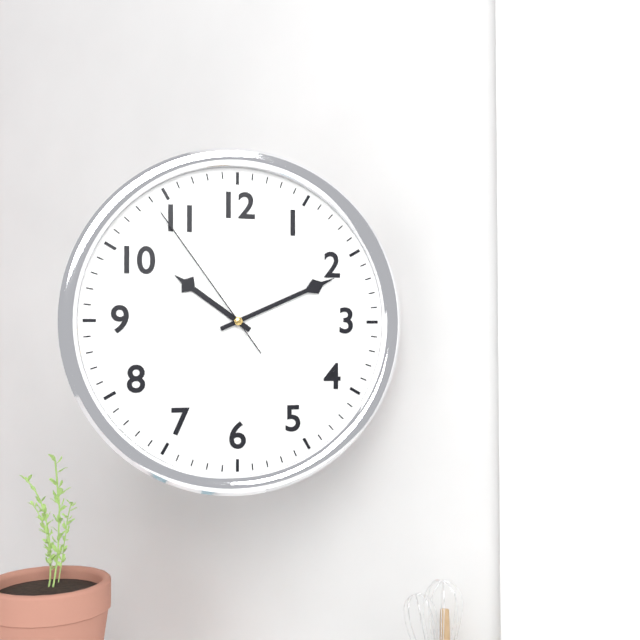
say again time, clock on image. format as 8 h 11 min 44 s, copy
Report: 10 h 11 min 54 s
